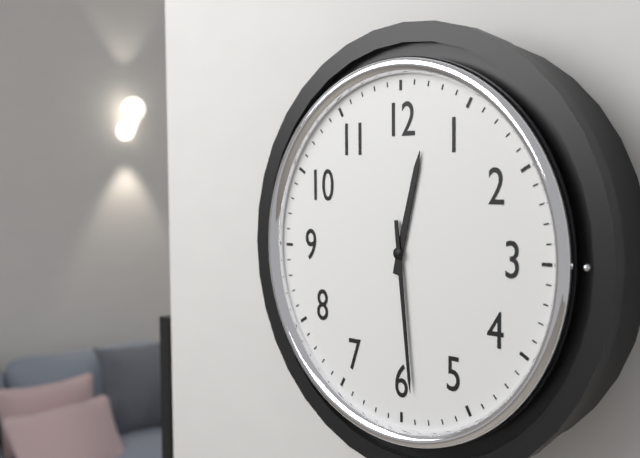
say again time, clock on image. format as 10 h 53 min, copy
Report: 12 h 29 min
